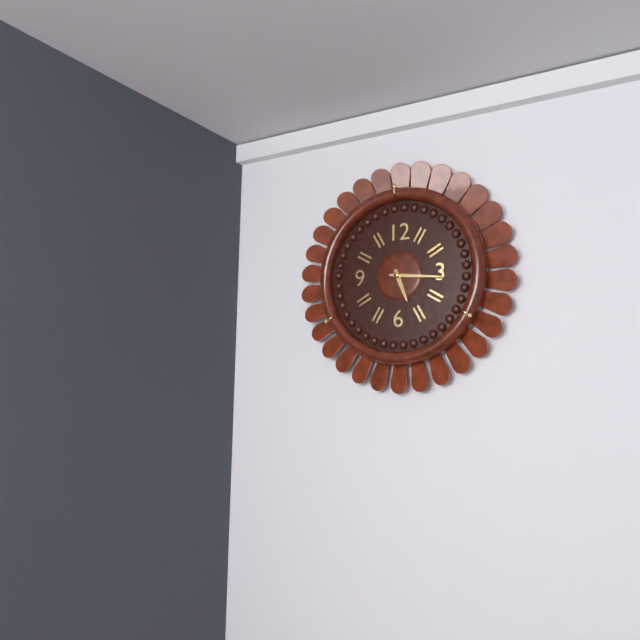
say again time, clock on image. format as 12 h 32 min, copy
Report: 5 h 16 min
